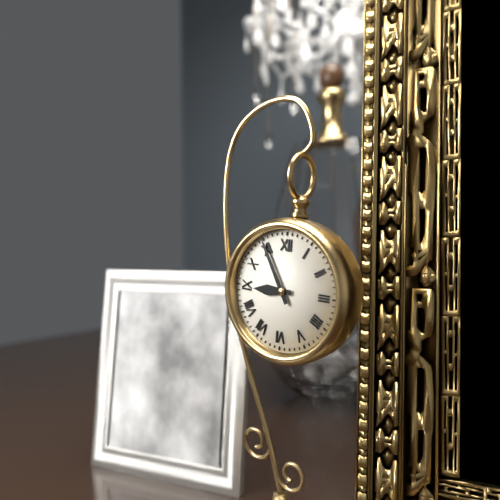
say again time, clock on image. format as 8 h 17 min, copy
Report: 8 h 55 min
